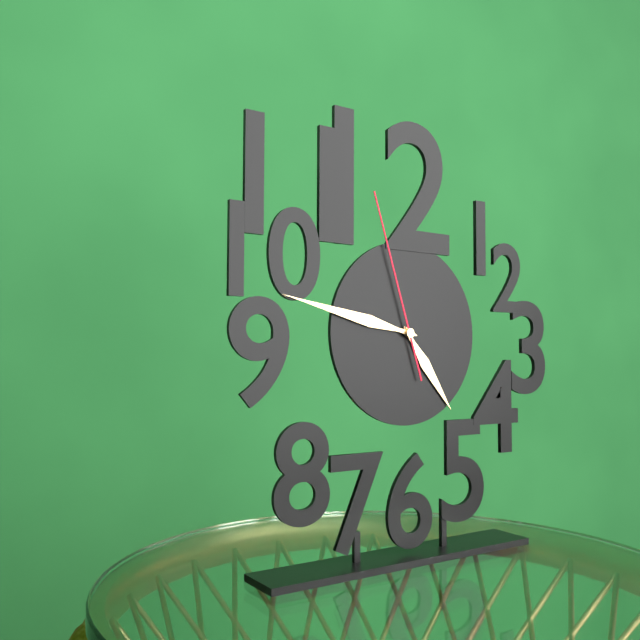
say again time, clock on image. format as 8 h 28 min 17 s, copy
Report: 4 h 47 min 57 s
